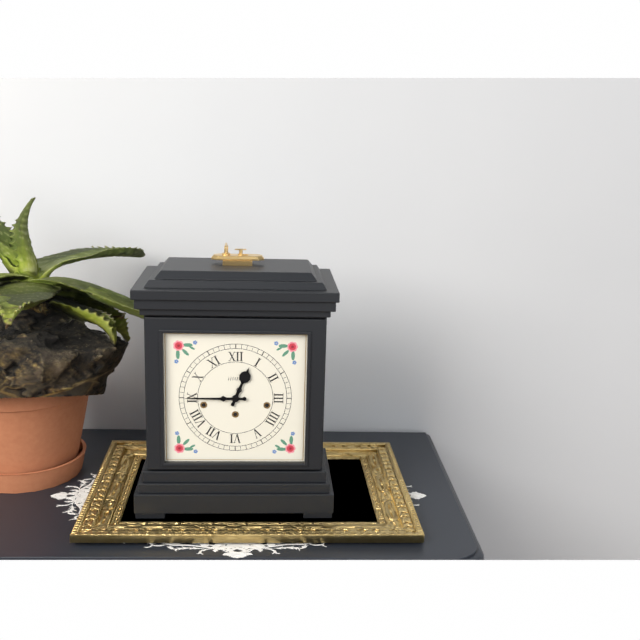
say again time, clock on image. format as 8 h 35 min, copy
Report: 12 h 45 min
